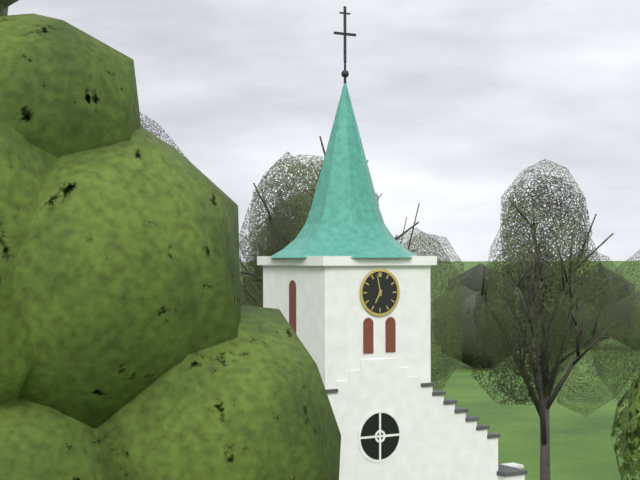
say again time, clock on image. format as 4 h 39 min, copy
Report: 6 h 58 min
